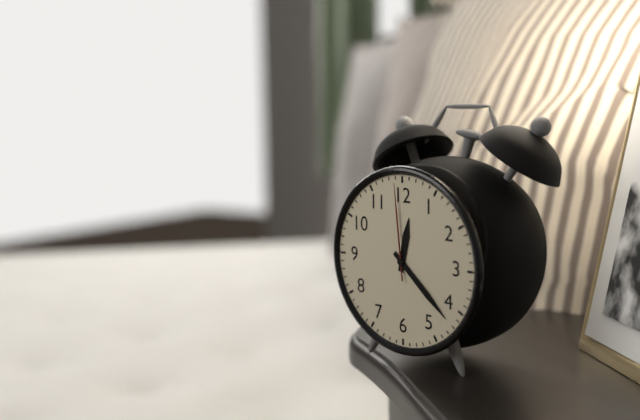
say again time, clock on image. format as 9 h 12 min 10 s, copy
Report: 12 h 22 min 59 s
